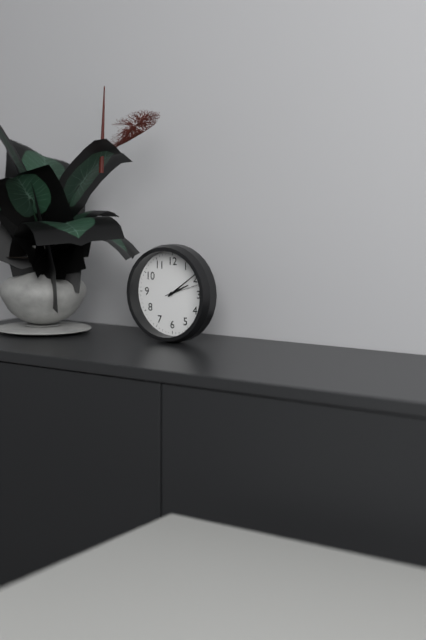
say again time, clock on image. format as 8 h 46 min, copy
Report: 2 h 09 min
